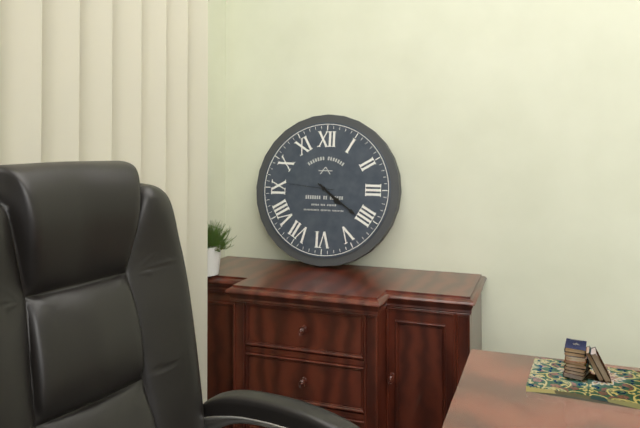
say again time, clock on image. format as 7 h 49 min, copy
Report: 4 h 21 min
